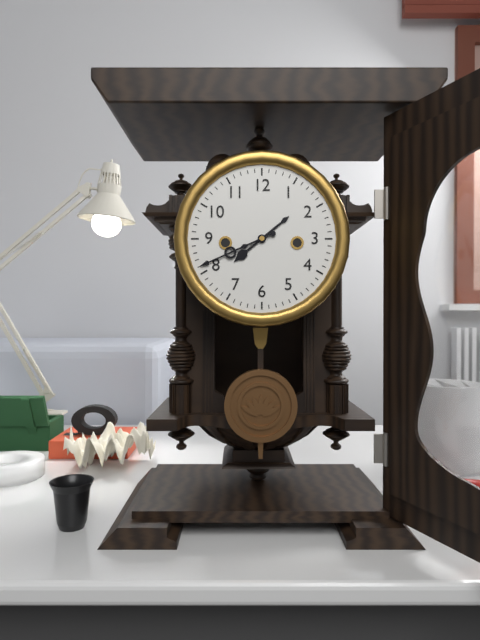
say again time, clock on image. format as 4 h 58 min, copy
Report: 7 h 41 min
